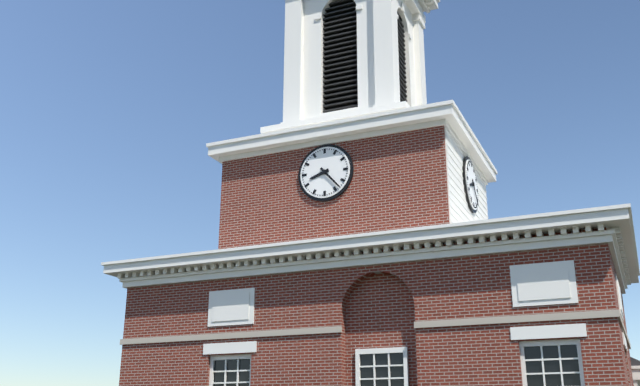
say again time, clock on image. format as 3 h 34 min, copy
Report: 8 h 23 min
